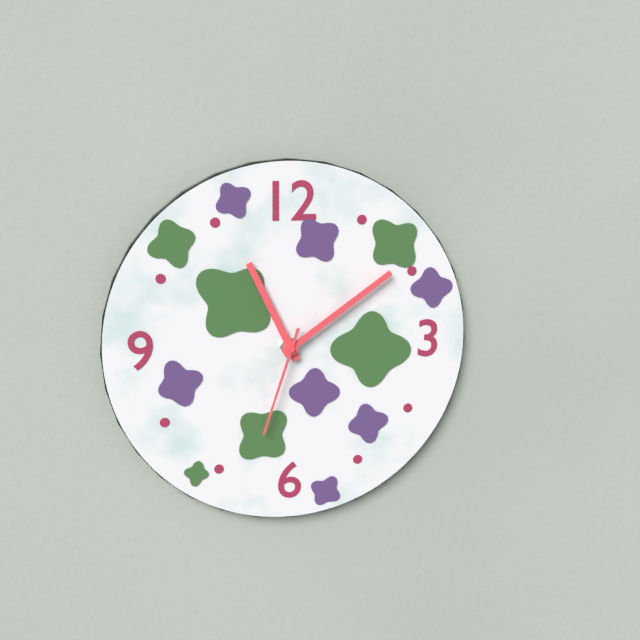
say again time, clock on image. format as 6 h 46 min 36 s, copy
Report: 11 h 09 min 33 s
